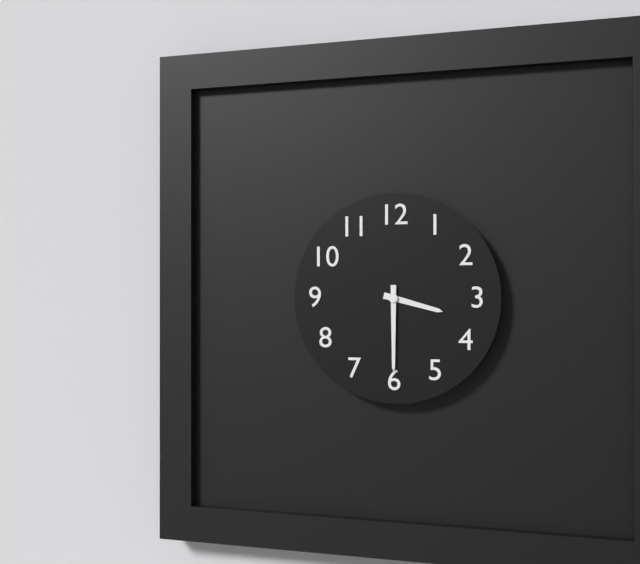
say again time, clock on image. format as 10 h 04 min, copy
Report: 3 h 30 min
